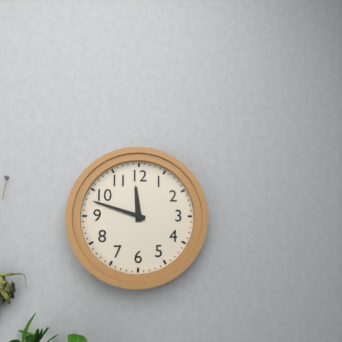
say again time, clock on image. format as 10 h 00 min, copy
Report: 11 h 48 min
